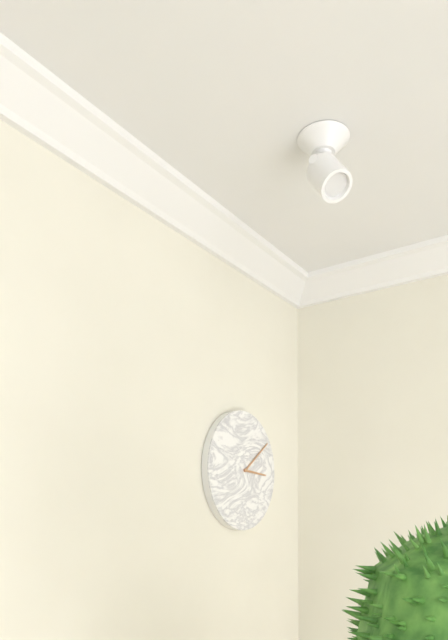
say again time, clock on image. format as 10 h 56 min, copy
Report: 3 h 09 min
